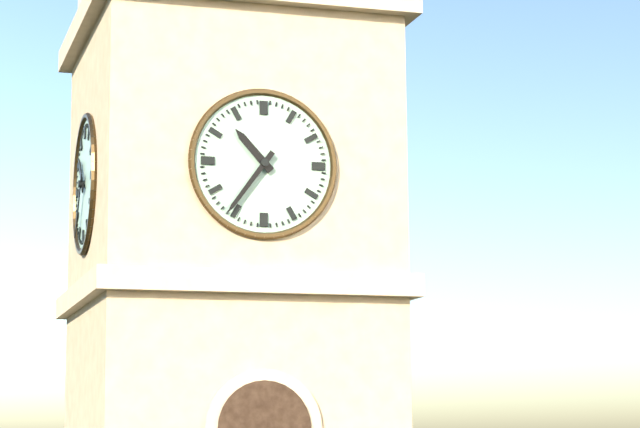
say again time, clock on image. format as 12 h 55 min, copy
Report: 10 h 36 min
